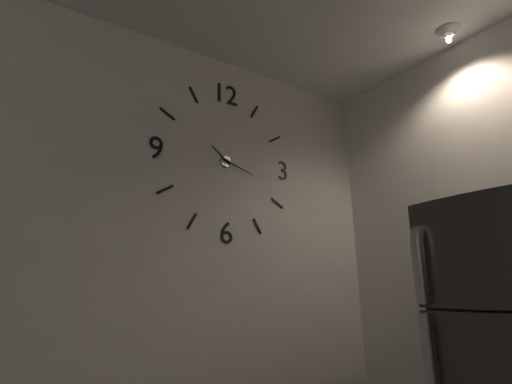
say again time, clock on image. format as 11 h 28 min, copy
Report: 10 h 18 min
